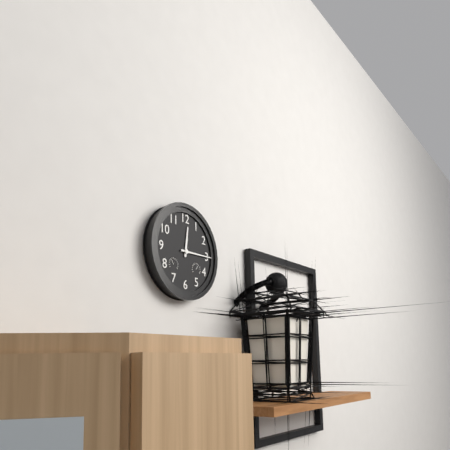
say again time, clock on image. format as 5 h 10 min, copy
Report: 12 h 15 min
